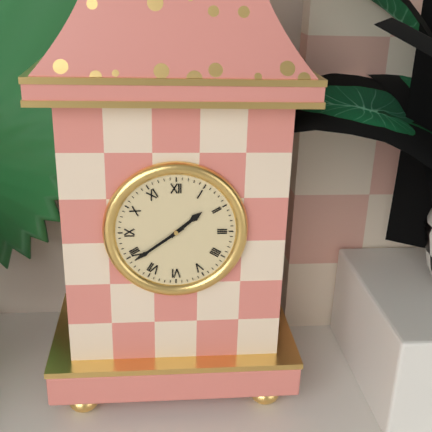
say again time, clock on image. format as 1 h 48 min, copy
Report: 1 h 39 min
